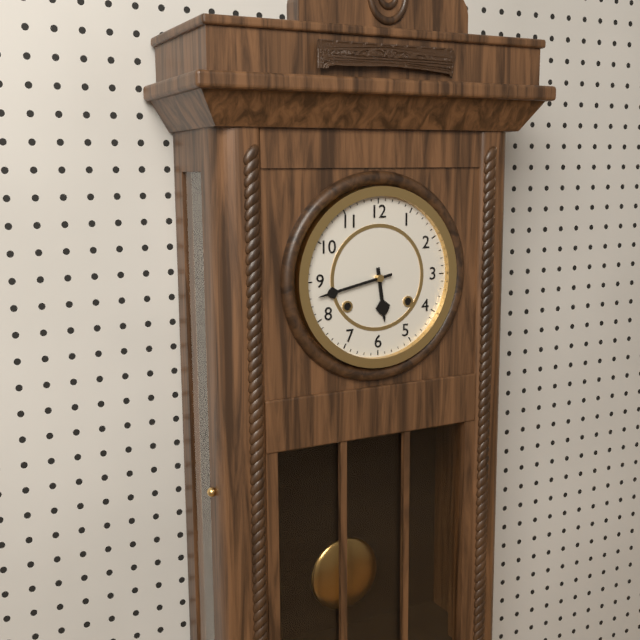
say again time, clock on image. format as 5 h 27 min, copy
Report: 5 h 43 min
